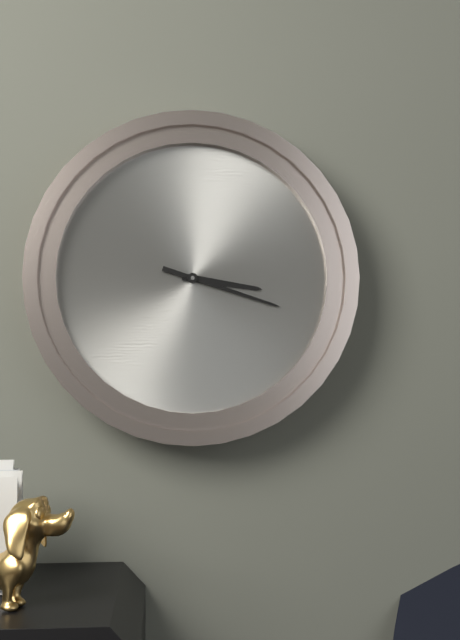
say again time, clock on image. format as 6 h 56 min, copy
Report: 3 h 18 min
